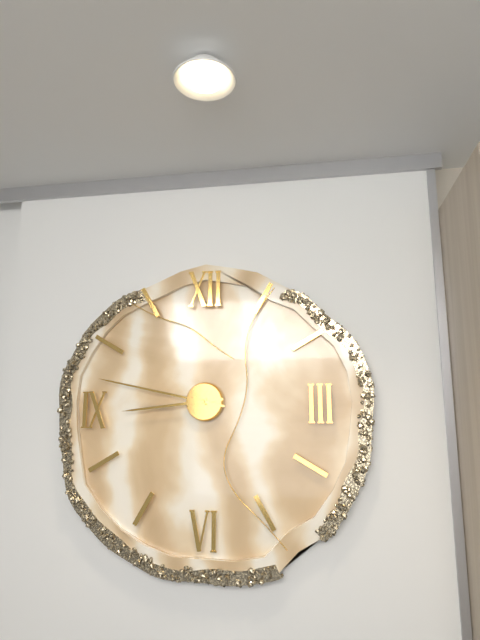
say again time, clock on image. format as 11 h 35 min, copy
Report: 8 h 47 min
